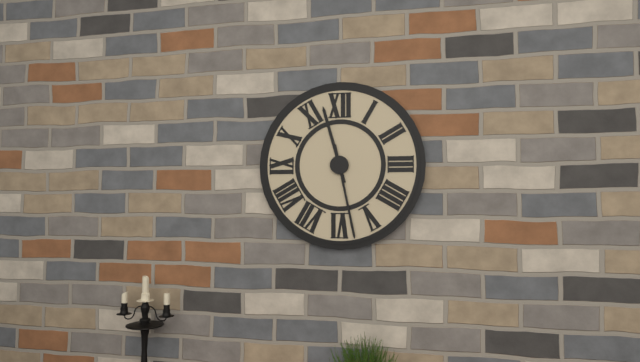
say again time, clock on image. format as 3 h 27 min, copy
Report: 11 h 28 min
